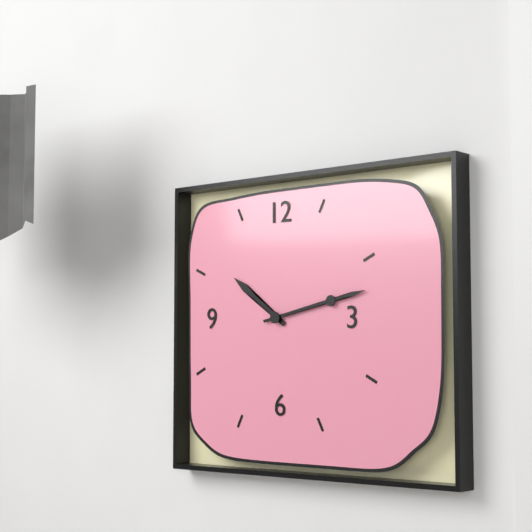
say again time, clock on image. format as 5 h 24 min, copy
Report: 10 h 13 min
